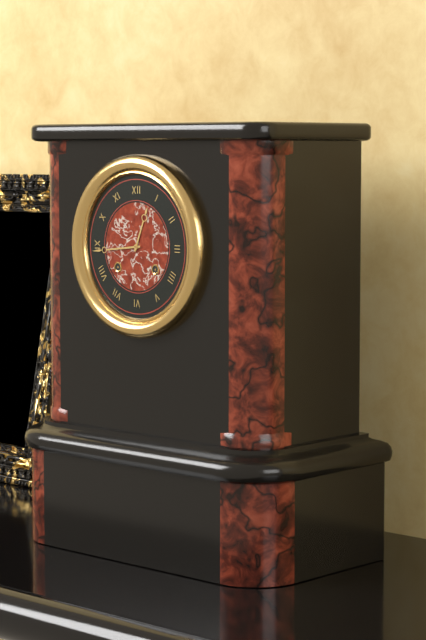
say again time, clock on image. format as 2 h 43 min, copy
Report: 12 h 44 min
